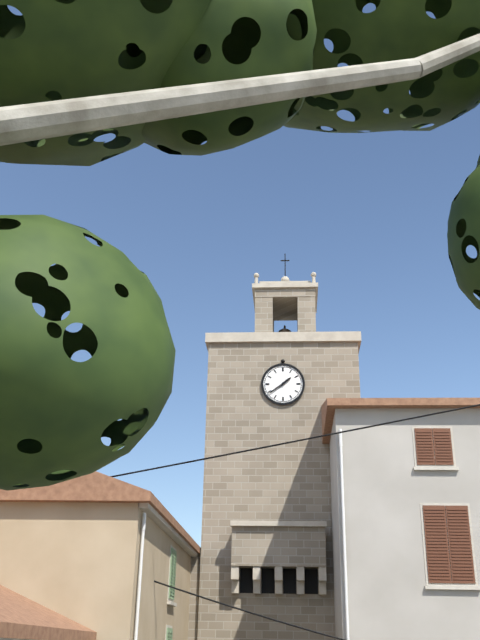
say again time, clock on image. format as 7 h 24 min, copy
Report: 1 h 39 min
